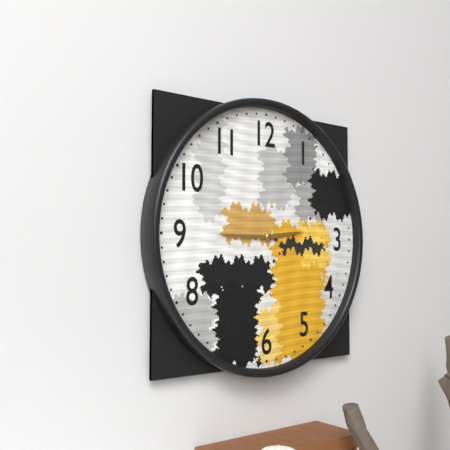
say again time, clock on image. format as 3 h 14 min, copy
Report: 2 h 45 min
